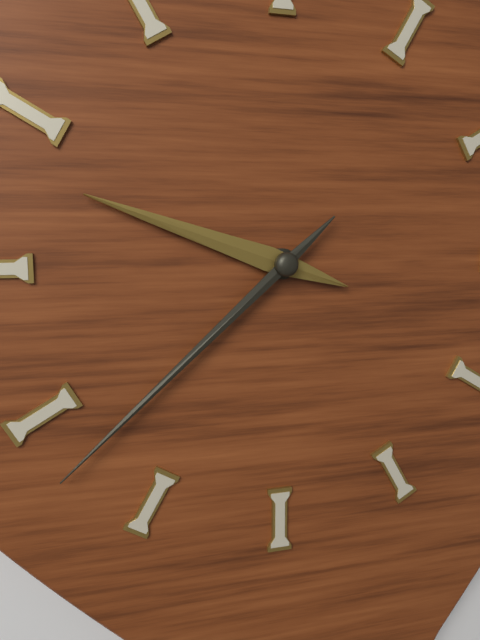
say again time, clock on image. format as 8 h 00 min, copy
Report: 9 h 38 min
